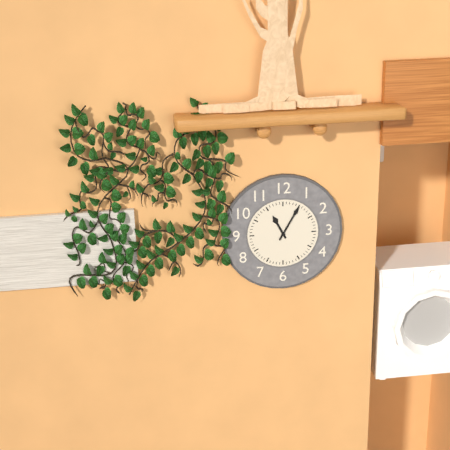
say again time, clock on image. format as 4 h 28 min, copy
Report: 11 h 05 min
